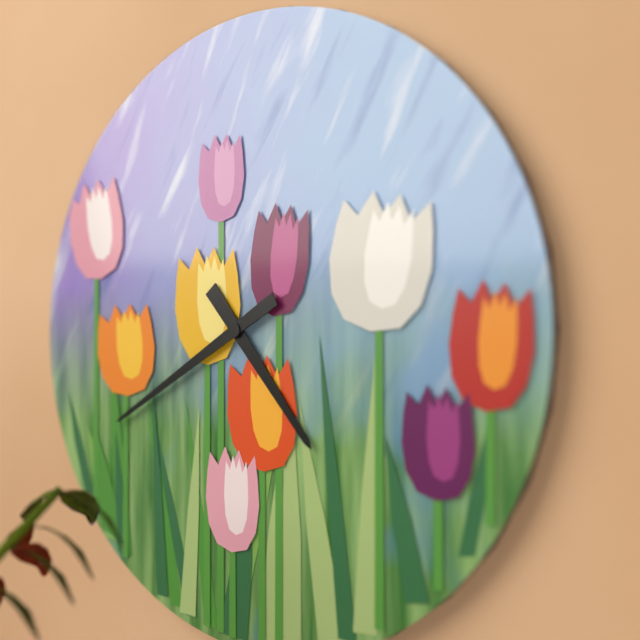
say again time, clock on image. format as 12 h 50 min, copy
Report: 4 h 40 min
